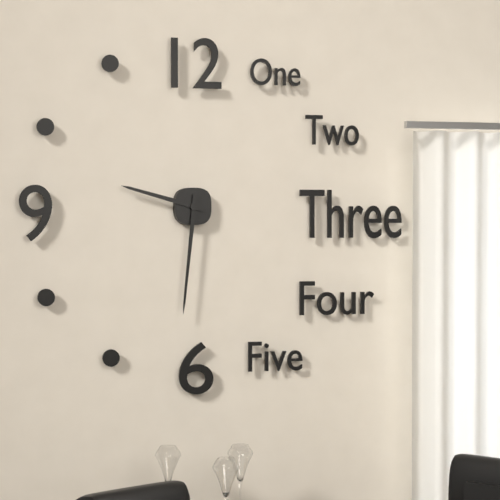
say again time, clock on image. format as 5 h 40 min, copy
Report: 9 h 31 min
